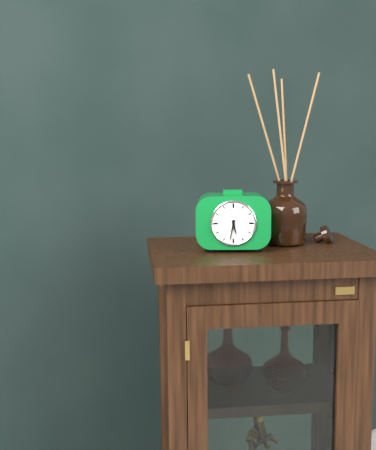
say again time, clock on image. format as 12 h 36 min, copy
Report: 5 h 32 min
